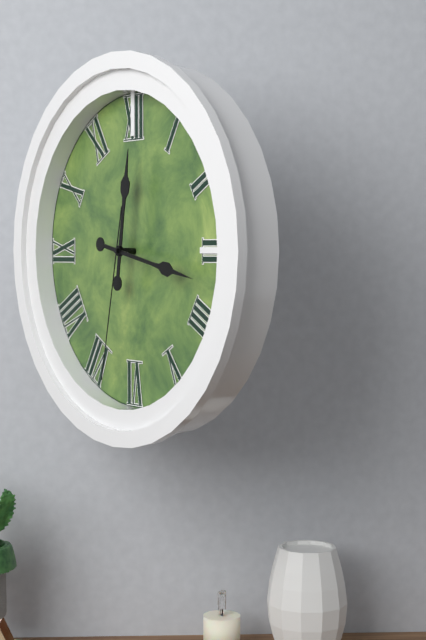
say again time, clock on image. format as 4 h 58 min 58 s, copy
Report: 12 h 17 min 32 s
